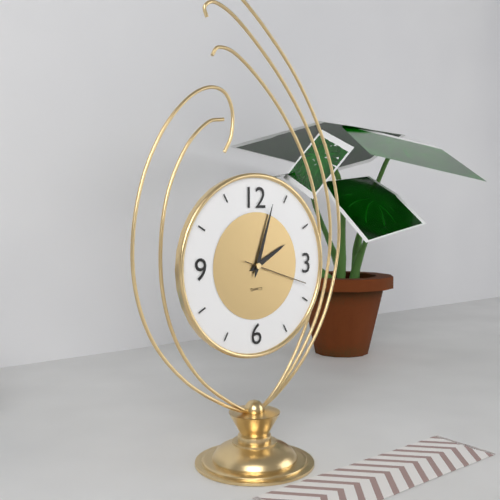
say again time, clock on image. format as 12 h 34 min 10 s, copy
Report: 2 h 03 min 18 s
